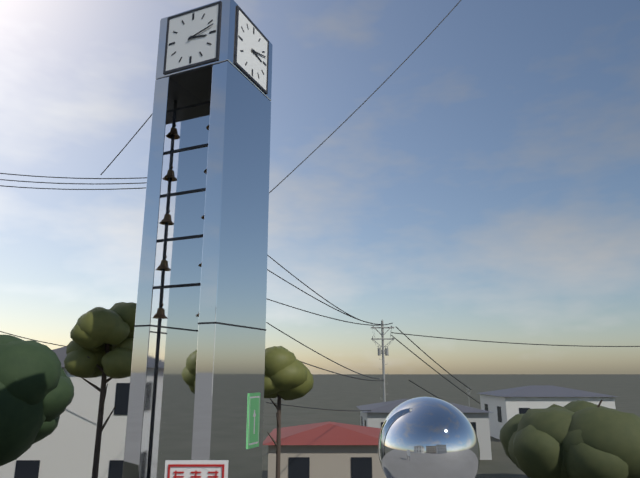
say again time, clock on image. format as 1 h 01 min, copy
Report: 3 h 12 min
